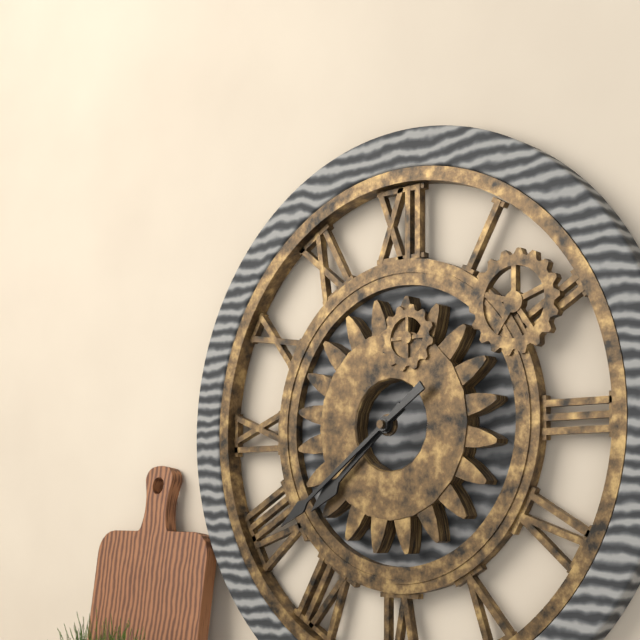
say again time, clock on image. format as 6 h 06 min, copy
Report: 7 h 39 min
